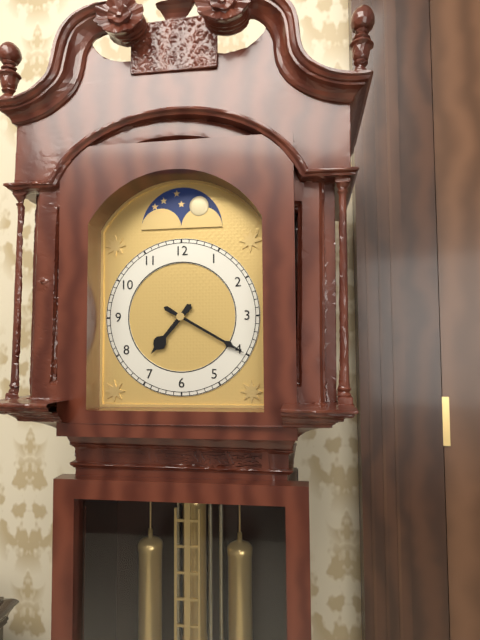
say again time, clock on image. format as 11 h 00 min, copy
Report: 7 h 20 min
